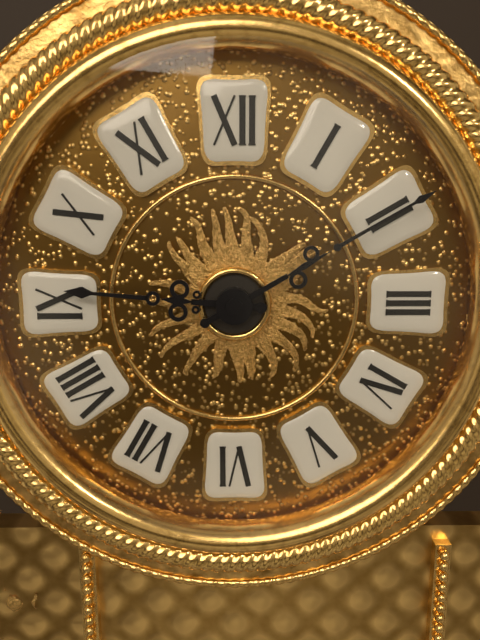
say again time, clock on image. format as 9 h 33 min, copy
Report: 9 h 10 min
